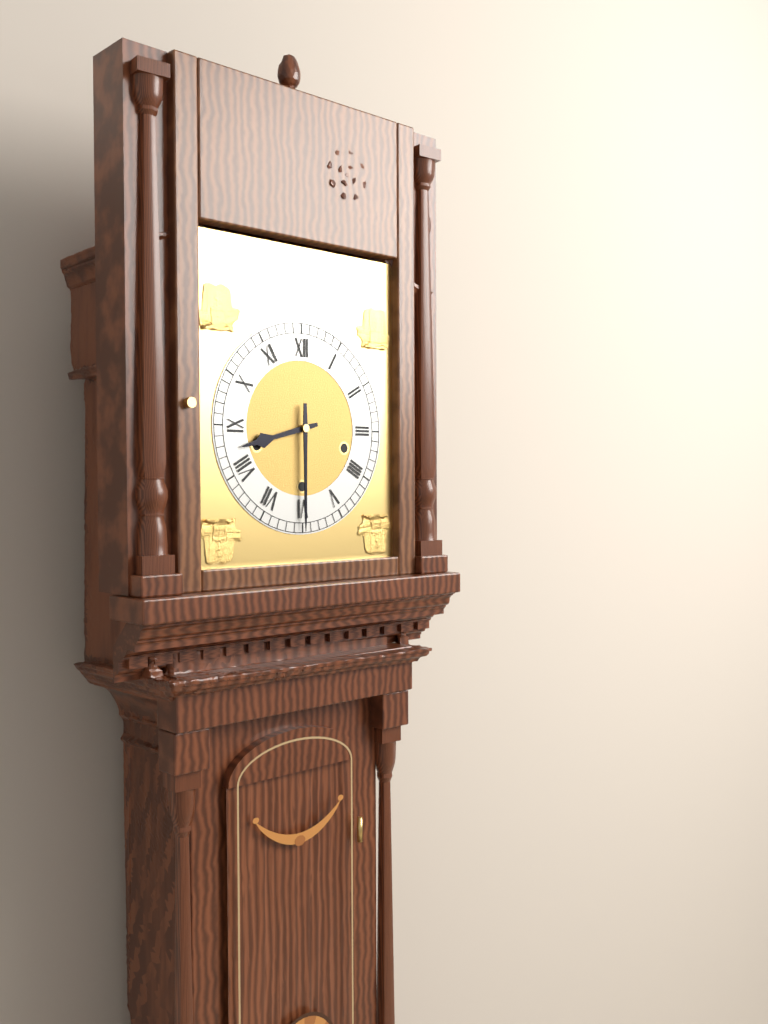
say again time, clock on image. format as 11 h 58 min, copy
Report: 8 h 30 min
